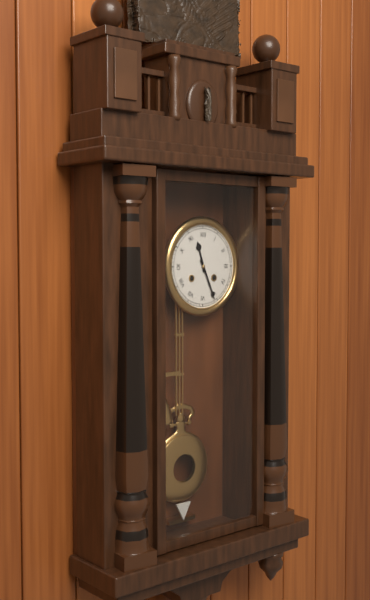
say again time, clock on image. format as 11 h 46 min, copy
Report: 11 h 26 min
